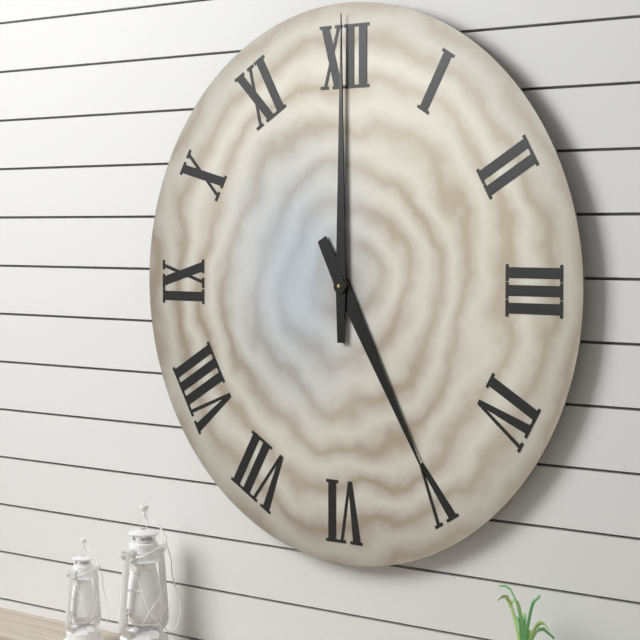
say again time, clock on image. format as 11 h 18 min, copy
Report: 5 h 00 min
